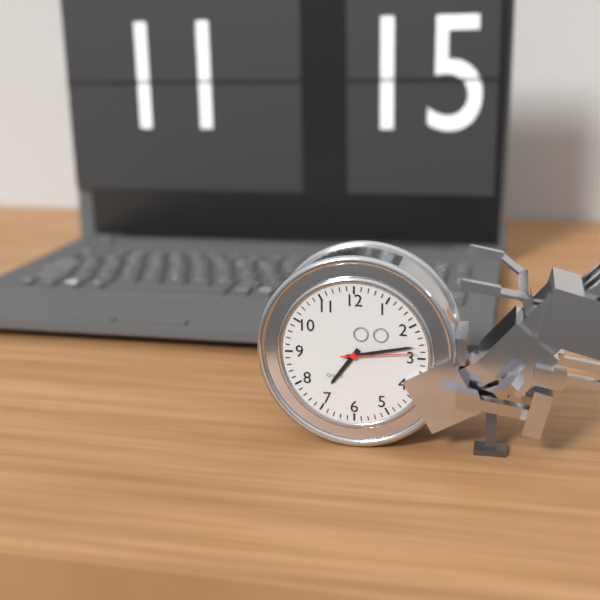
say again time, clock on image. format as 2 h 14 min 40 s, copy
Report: 7 h 13 min 14 s
